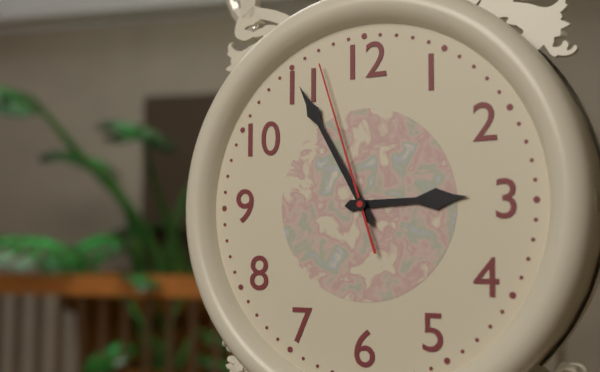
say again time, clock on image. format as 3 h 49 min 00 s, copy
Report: 2 h 55 min 57 s
